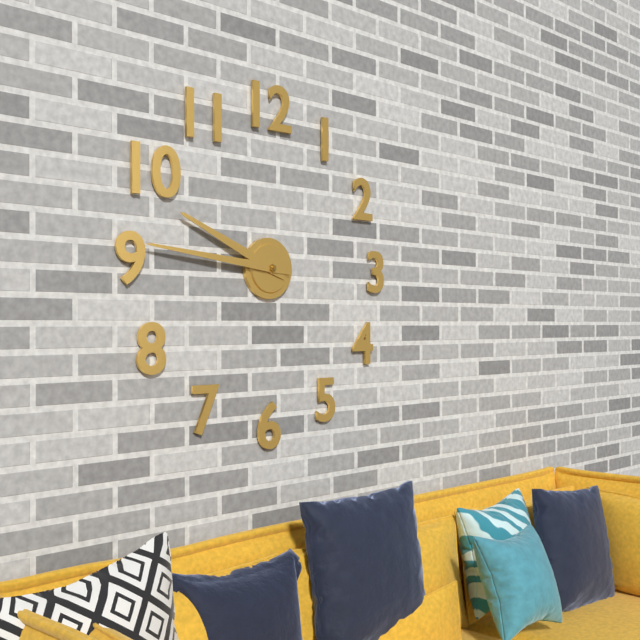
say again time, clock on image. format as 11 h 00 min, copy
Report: 9 h 46 min
